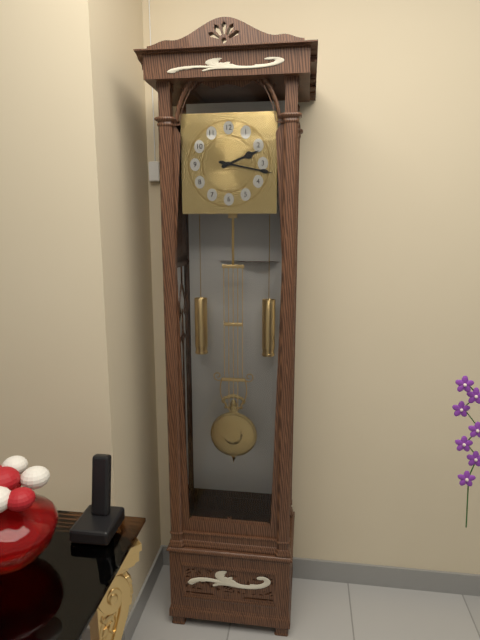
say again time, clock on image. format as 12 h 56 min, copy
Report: 2 h 17 min
